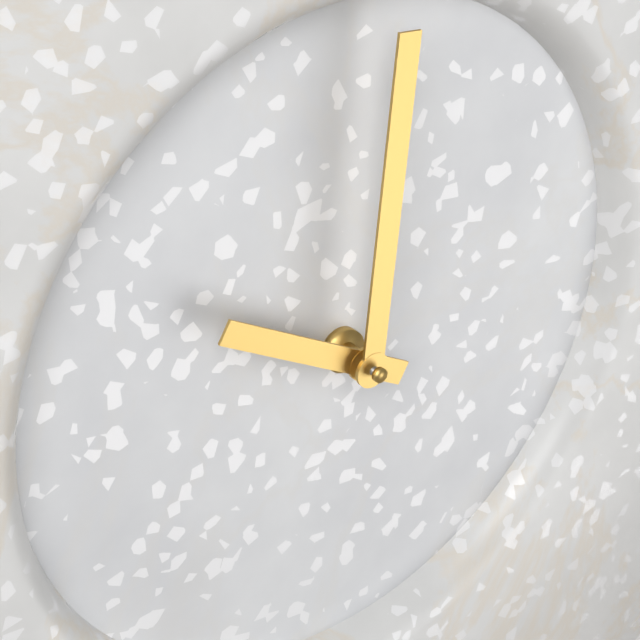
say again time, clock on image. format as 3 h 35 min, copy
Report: 10 h 01 min
